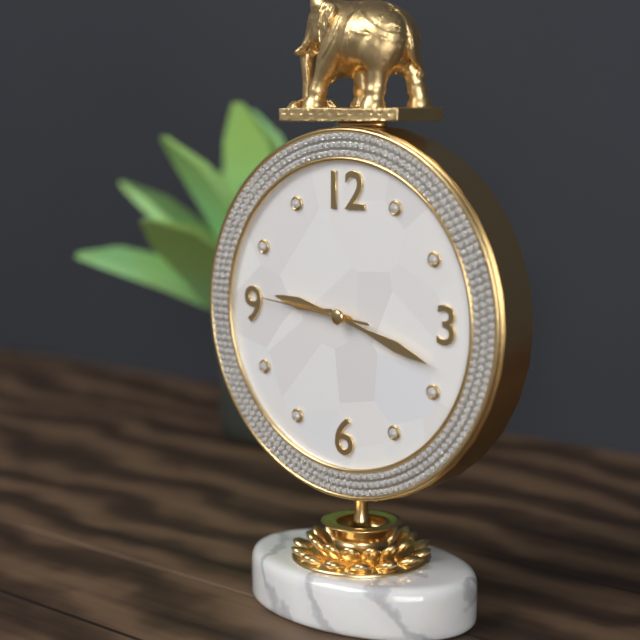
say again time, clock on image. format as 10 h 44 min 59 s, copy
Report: 9 h 18 min 46 s
